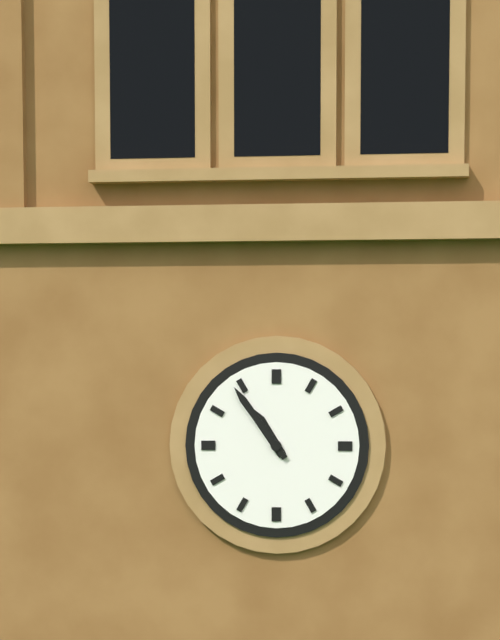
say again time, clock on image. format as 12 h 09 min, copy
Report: 10 h 54 min
